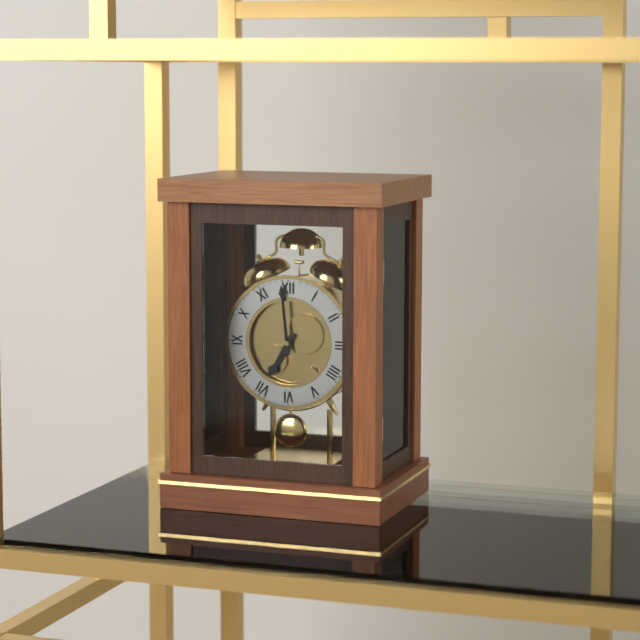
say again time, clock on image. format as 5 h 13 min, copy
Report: 6 h 59 min
